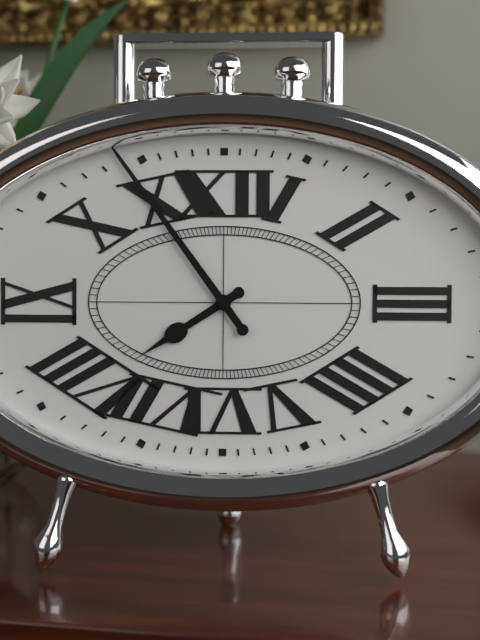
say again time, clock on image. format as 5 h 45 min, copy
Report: 7 h 54 min
